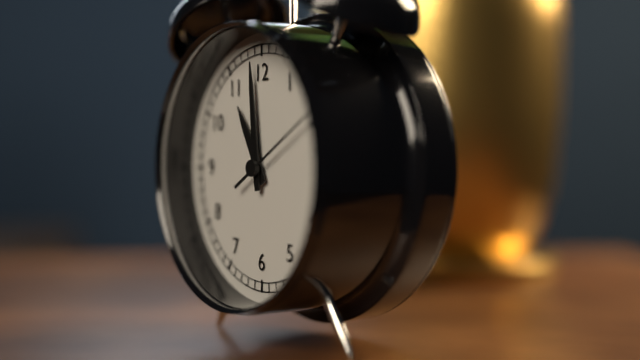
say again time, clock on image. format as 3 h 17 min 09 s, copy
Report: 10 h 59 min 10 s
